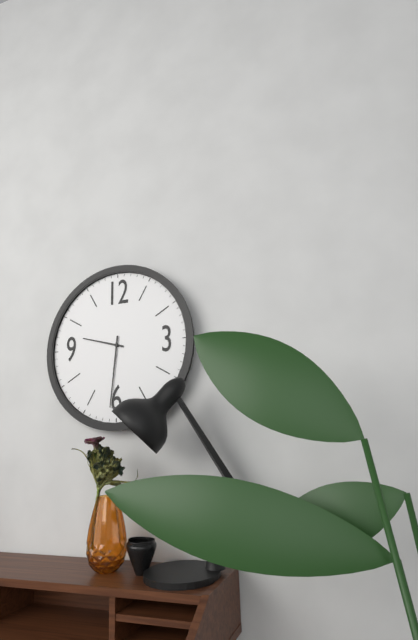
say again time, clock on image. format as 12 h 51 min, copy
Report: 9 h 31 min
